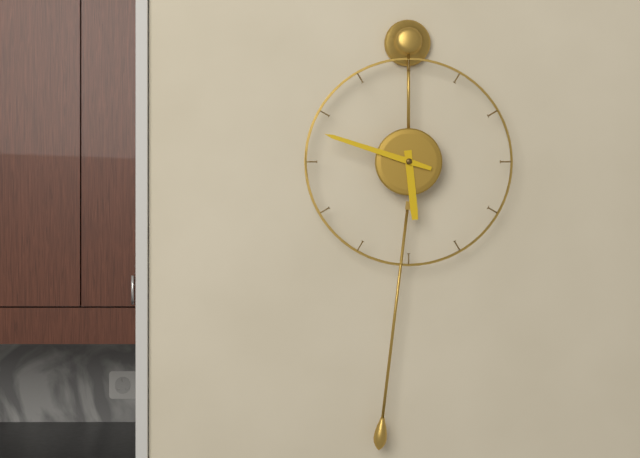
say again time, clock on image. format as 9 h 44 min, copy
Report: 5 h 48 min
